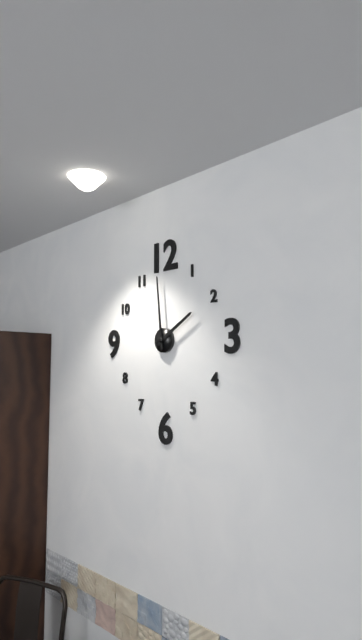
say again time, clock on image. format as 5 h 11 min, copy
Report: 1 h 59 min
